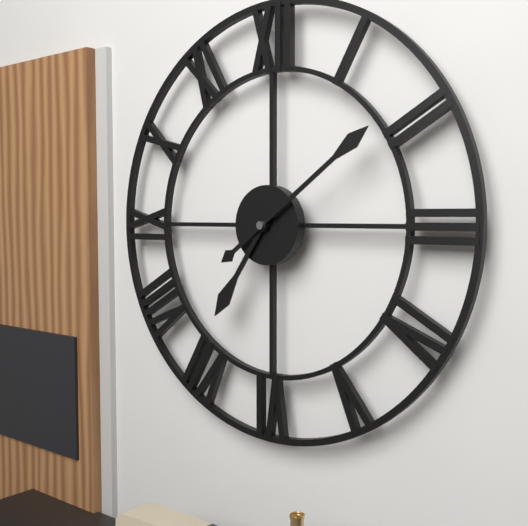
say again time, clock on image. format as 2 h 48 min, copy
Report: 7 h 09 min
